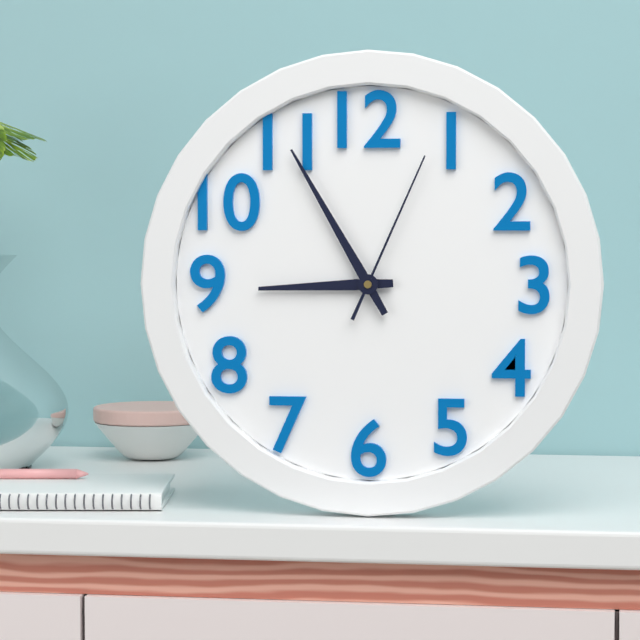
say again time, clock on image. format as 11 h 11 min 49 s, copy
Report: 8 h 55 min 04 s
